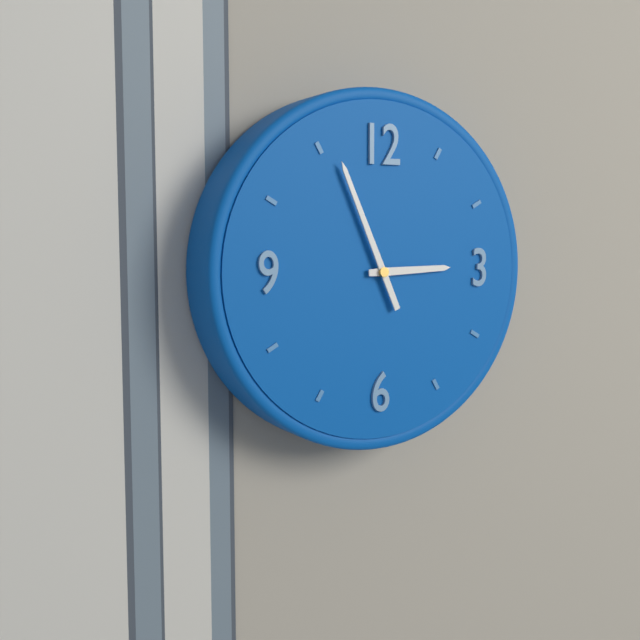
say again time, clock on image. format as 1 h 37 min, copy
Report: 2 h 56 min
